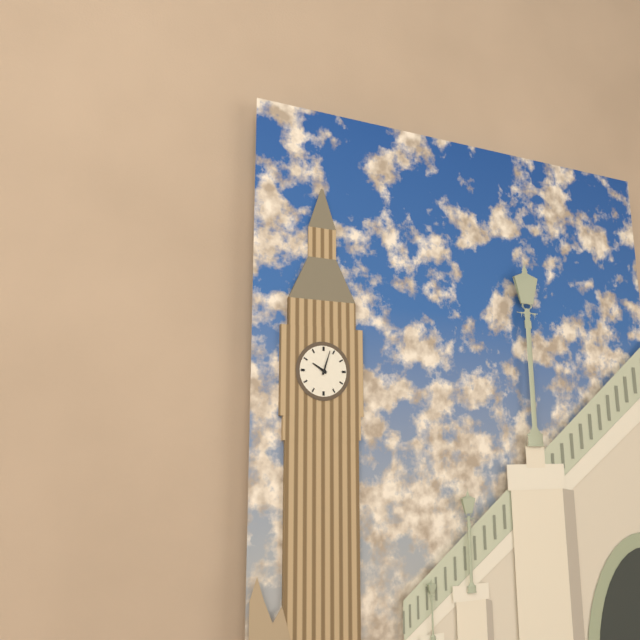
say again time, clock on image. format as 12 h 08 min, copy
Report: 10 h 03 min
